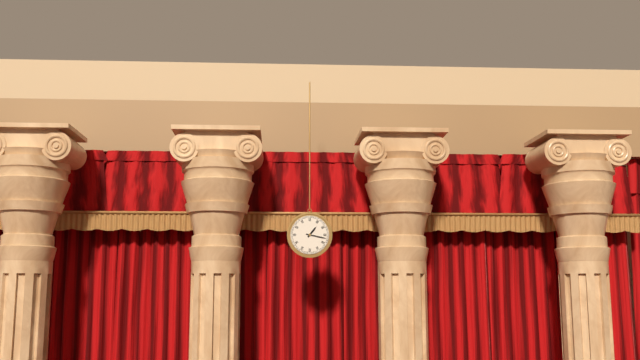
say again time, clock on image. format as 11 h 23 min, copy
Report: 1 h 17 min
